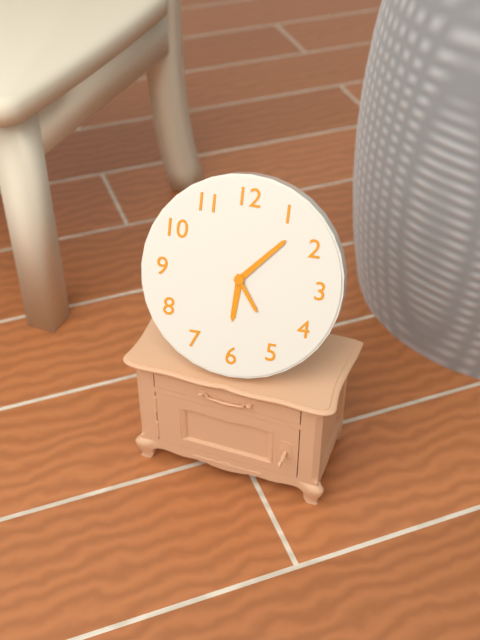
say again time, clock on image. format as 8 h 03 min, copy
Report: 6 h 07 min
